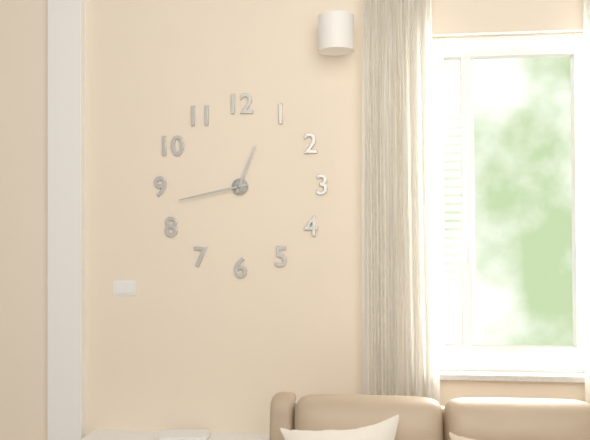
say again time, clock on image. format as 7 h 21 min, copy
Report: 12 h 43 min
